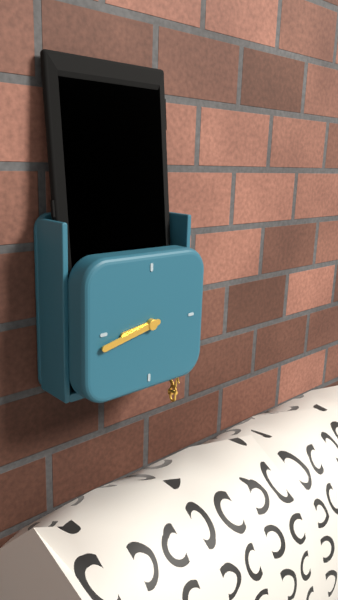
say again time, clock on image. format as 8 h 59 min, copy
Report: 8 h 43 min
